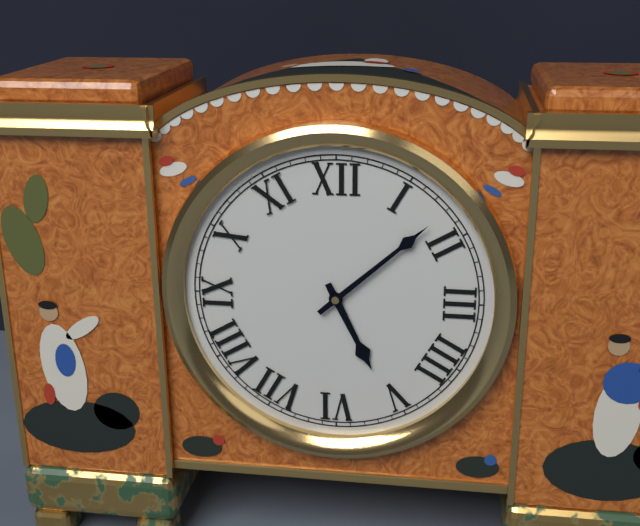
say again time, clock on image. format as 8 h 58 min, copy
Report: 5 h 08 min
